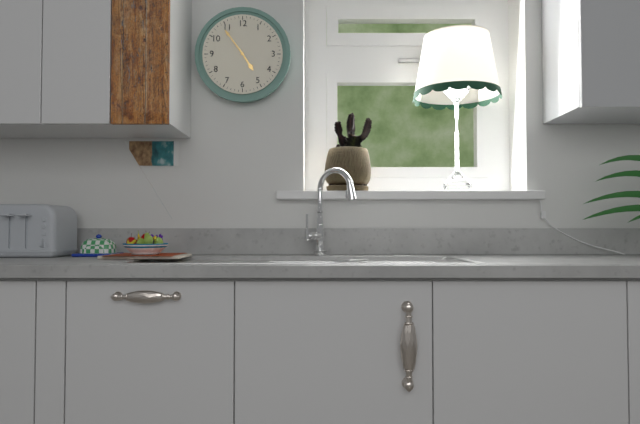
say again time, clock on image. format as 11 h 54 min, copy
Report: 4 h 54 min
